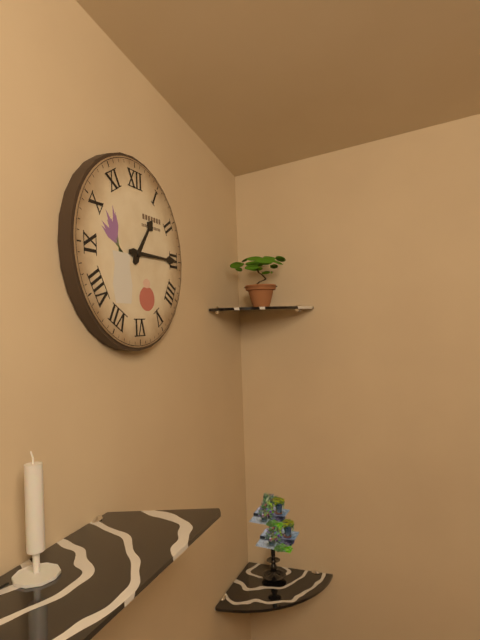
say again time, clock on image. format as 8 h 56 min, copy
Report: 1 h 15 min
